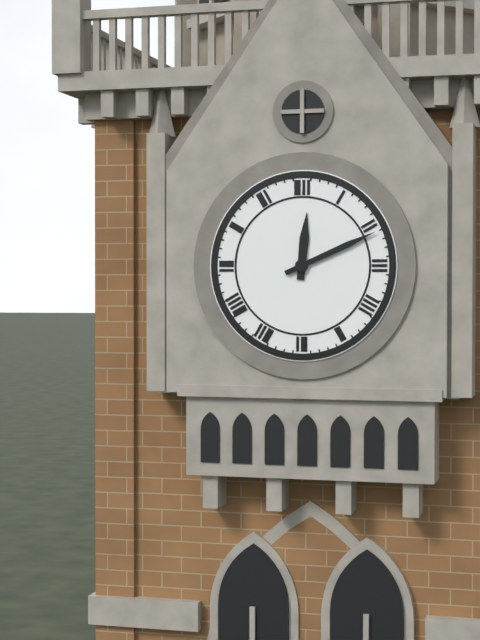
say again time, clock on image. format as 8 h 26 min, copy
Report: 12 h 11 min
